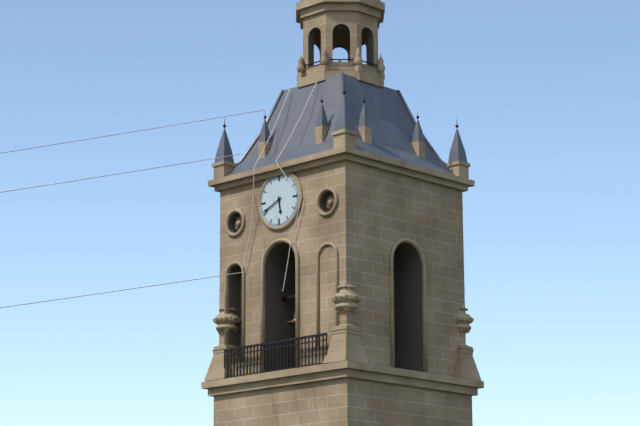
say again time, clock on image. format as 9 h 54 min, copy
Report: 5 h 41 min
